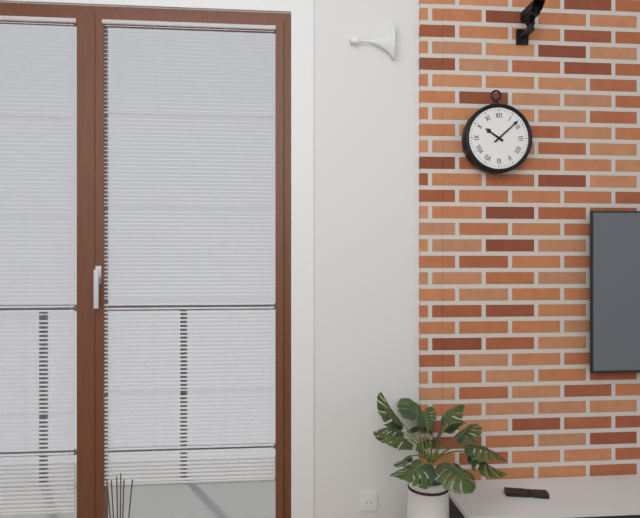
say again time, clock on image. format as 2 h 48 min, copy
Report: 10 h 08 min
